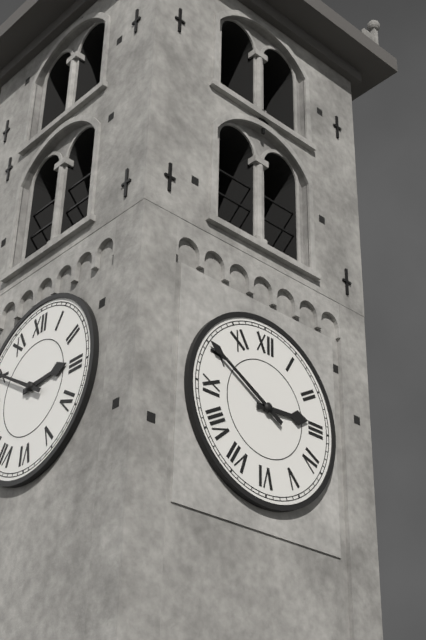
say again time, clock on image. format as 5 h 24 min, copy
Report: 2 h 50 min
